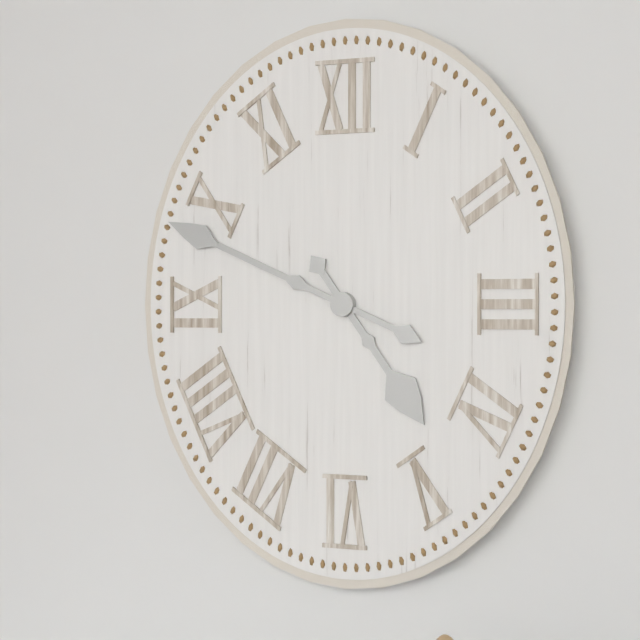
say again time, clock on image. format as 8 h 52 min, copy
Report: 4 h 49 min
